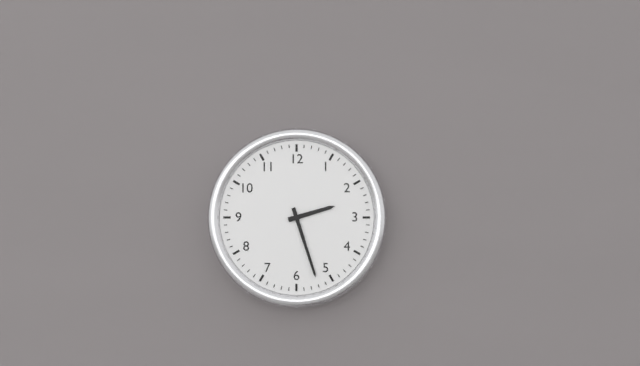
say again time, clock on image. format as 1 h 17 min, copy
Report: 2 h 27 min
